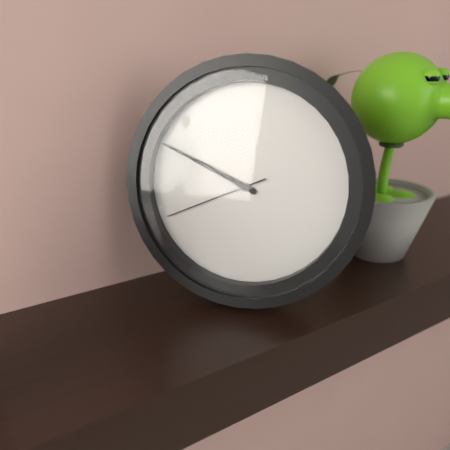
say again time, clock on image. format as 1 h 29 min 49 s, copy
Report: 9 h 49 min 41 s
